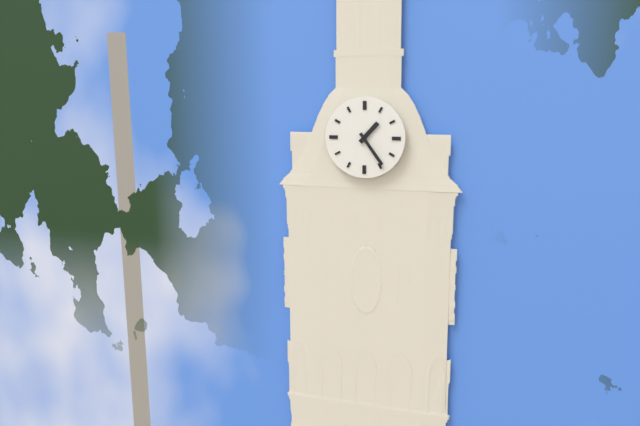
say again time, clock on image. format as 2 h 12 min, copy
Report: 1 h 24 min
